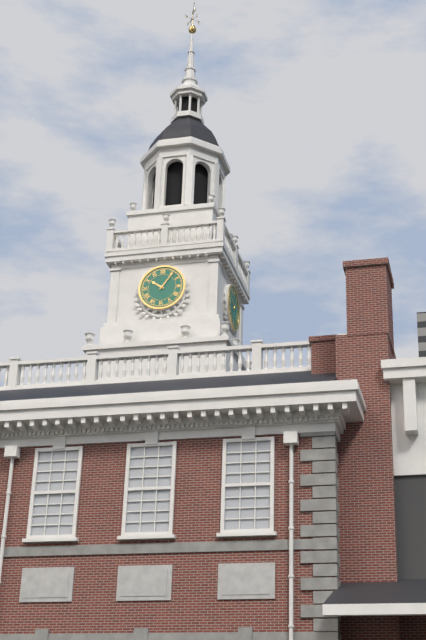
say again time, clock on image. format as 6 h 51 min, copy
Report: 10 h 06 min
